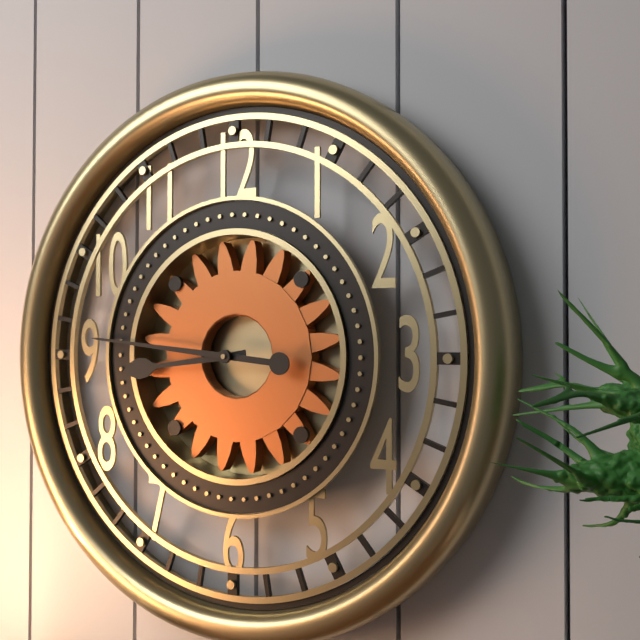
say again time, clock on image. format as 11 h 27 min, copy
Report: 8 h 46 min
